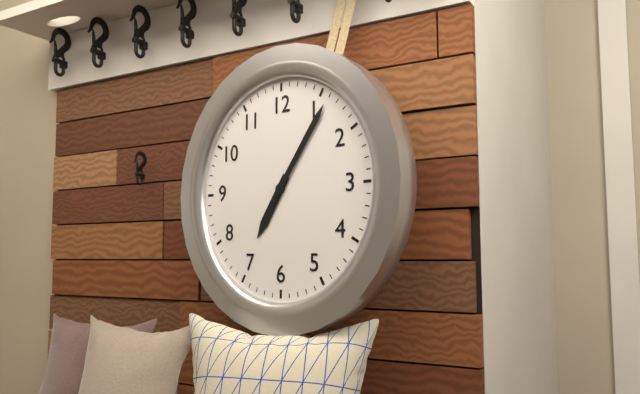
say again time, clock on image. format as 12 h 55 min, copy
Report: 7 h 06 min
